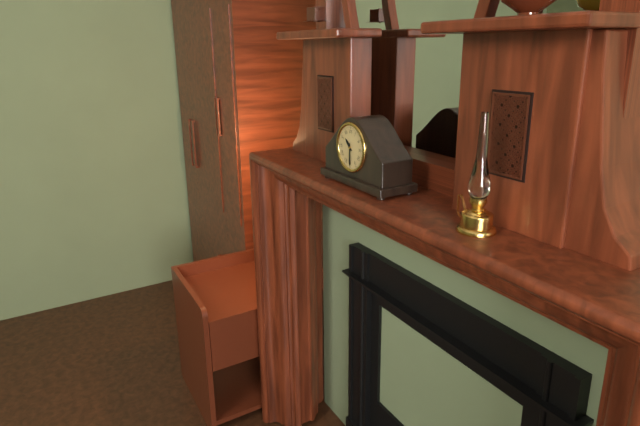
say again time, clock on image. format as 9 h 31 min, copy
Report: 10 h 30 min
